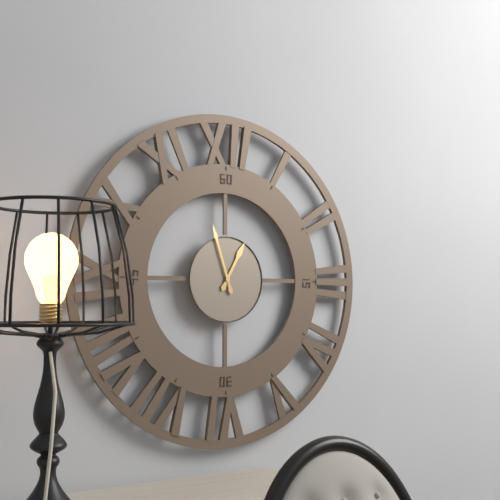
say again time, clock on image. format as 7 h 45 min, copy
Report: 12 h 57 min
